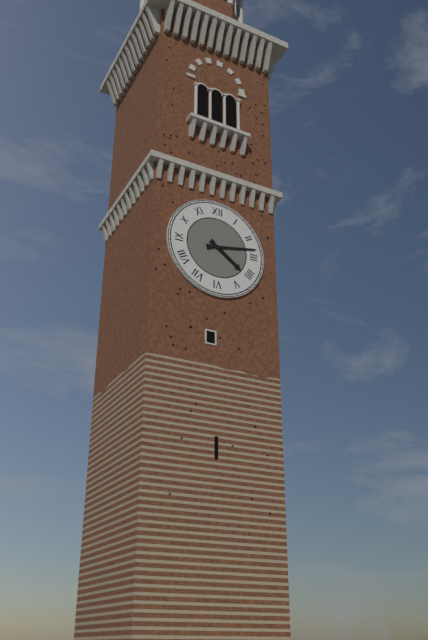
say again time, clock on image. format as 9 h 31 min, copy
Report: 4 h 13 min
